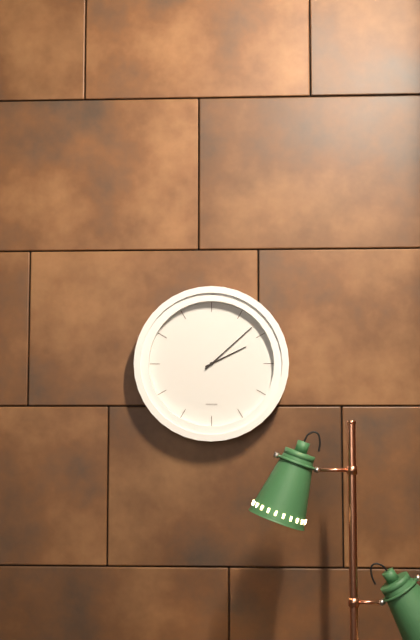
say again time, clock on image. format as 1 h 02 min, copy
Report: 2 h 08 min
